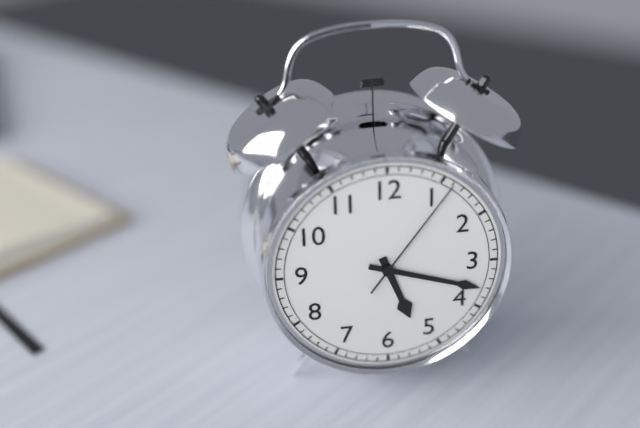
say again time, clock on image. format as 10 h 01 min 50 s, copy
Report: 5 h 18 min 06 s
